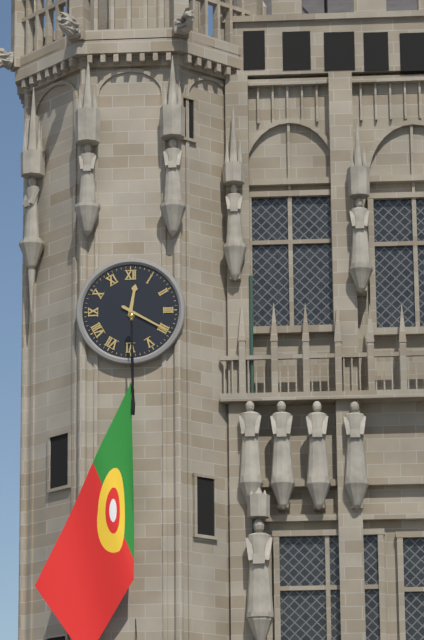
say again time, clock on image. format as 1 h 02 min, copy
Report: 12 h 20 min
